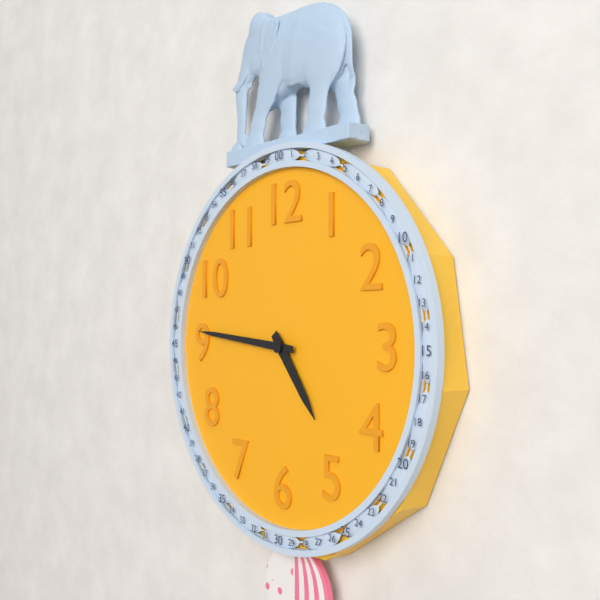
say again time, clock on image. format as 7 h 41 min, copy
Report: 4 h 46 min
